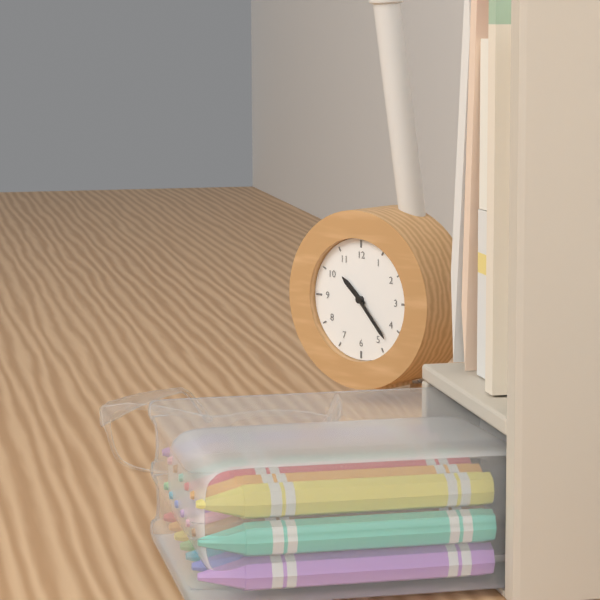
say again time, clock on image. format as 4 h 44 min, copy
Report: 10 h 23 min
